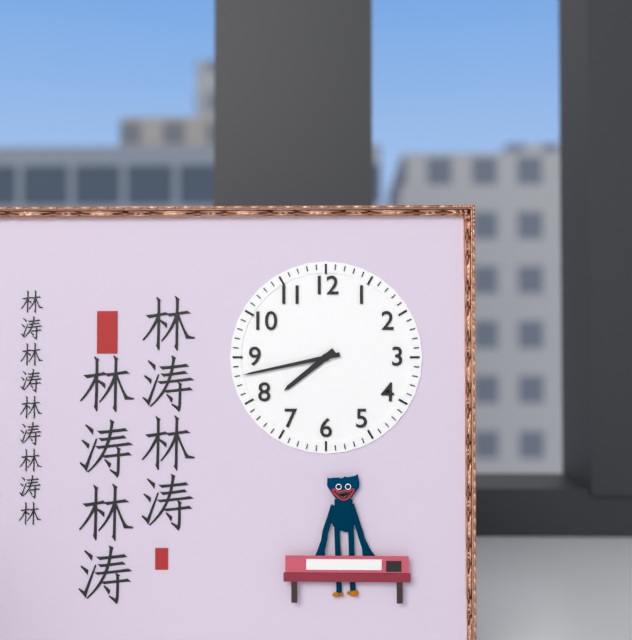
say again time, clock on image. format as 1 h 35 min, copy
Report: 7 h 43 min
